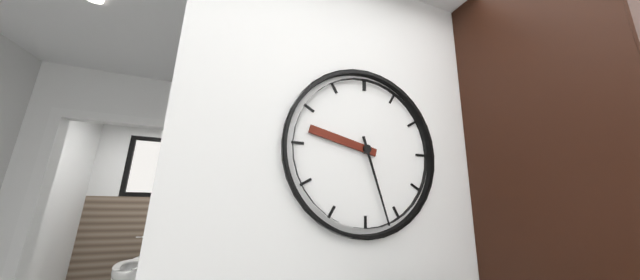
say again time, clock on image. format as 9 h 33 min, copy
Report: 9 h 27 min
